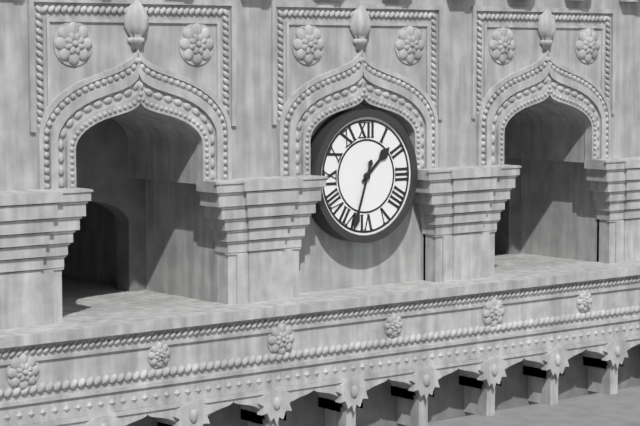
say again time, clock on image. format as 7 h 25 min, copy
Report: 1 h 33 min
